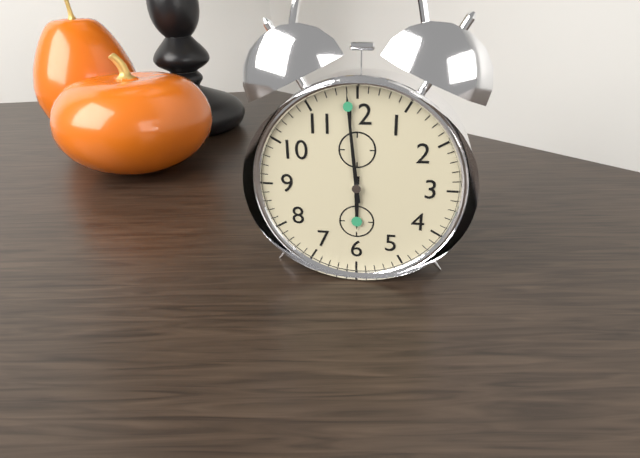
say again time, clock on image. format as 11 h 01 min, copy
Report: 5 h 59 min
